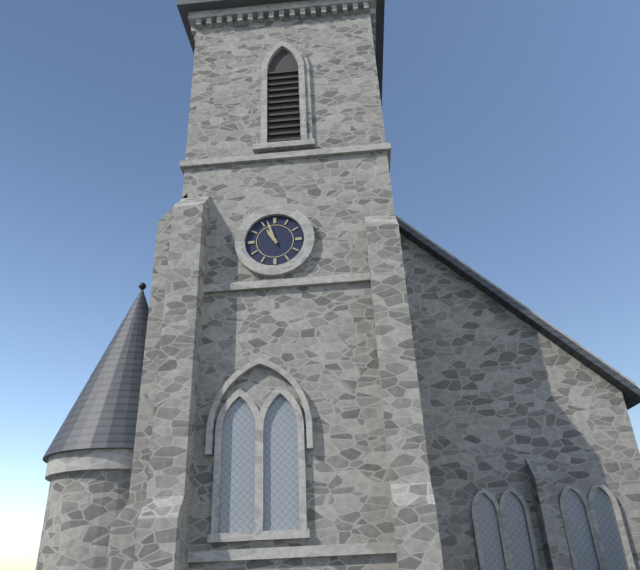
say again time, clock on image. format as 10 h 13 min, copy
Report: 10 h 57 min
